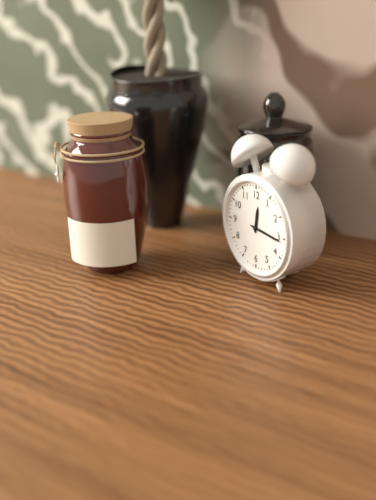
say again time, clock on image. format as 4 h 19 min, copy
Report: 12 h 16 min
